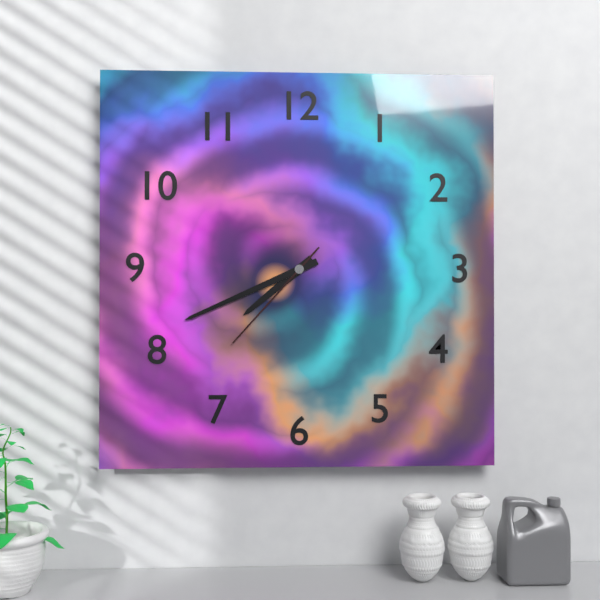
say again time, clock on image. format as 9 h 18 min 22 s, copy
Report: 7 h 41 min 37 s
